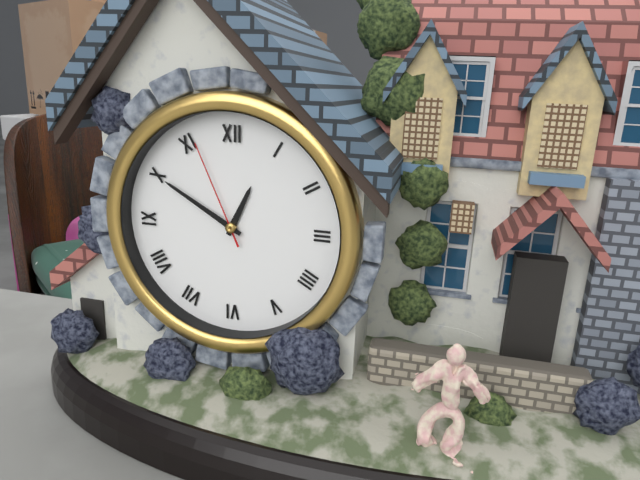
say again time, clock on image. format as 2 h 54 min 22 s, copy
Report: 12 h 50 min 56 s
